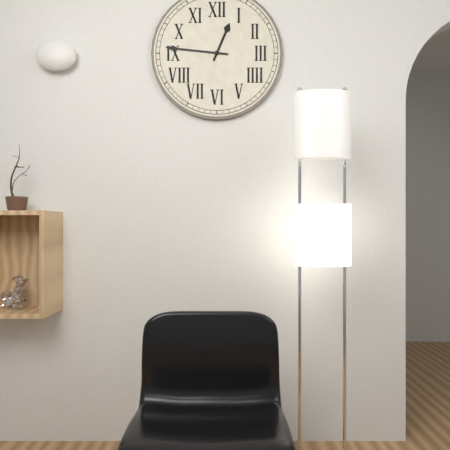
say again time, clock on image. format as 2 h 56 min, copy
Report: 12 h 46 min
